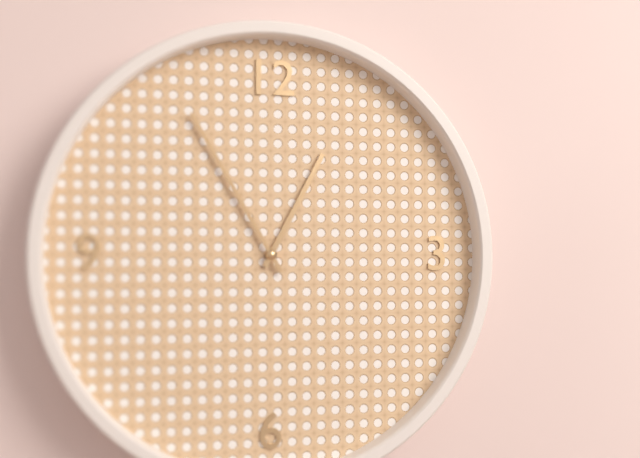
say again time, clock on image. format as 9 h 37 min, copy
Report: 12 h 55 min
